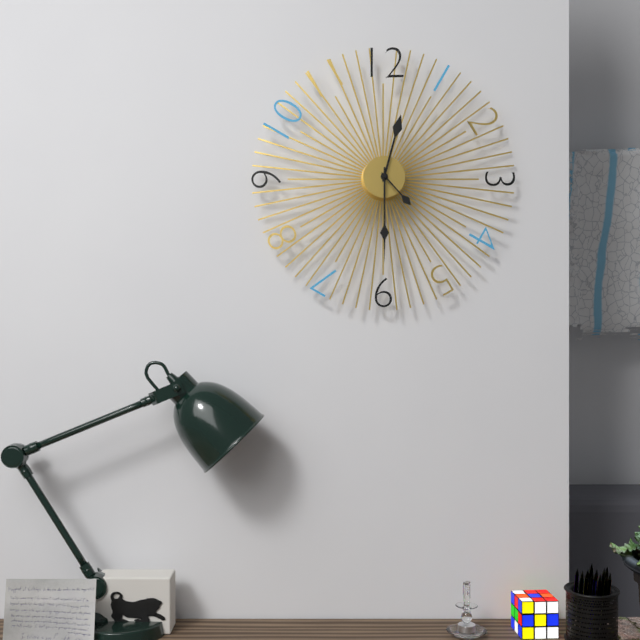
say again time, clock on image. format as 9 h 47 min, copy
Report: 12 h 30 min
